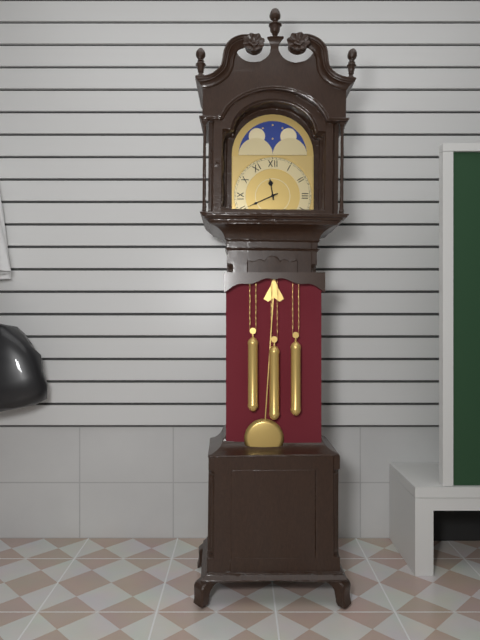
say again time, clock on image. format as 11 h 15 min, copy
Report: 11 h 41 min
